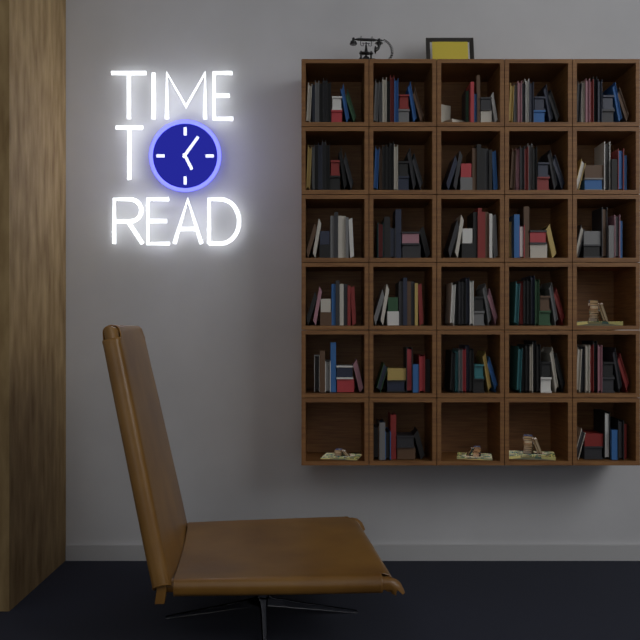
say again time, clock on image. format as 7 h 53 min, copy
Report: 5 h 06 min
